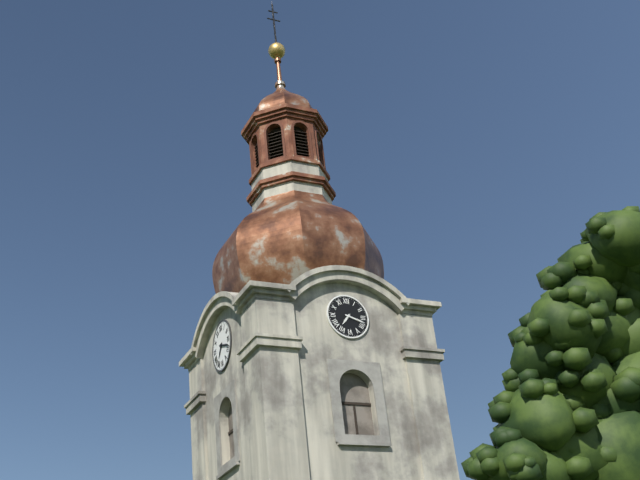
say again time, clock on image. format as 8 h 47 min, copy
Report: 7 h 18 min
